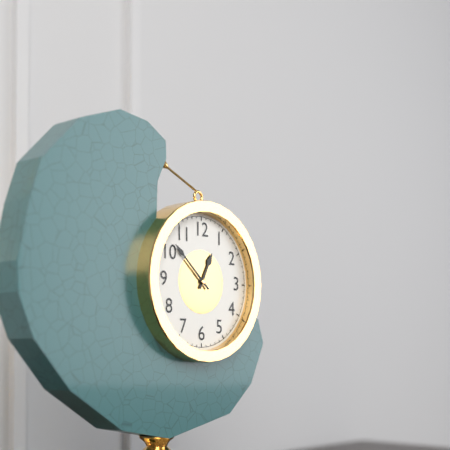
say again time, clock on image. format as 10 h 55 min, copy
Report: 12 h 52 min
